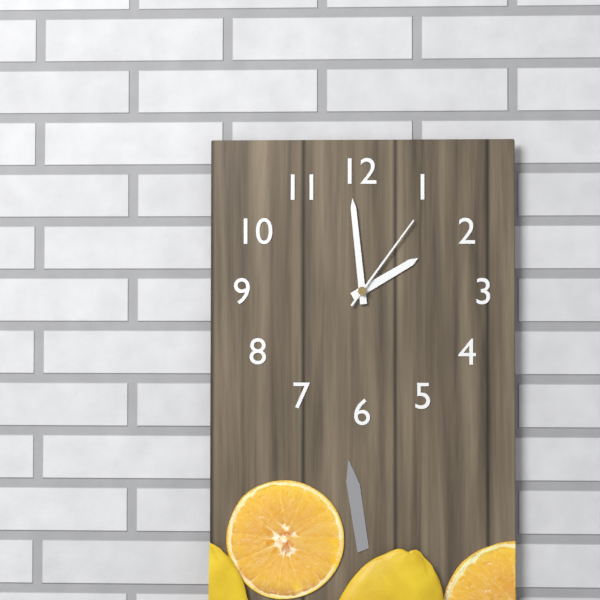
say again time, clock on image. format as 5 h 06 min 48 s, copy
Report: 1 h 59 min 06 s
